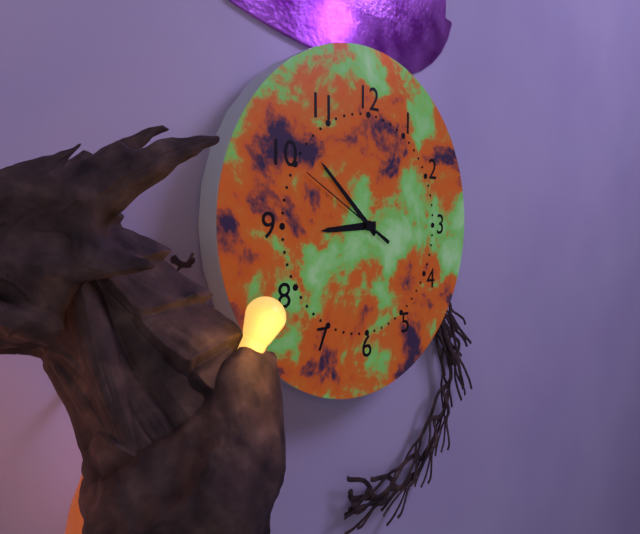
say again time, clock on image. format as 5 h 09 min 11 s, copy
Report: 8 h 52 min 50 s
